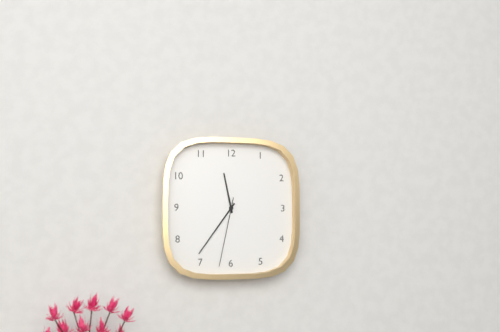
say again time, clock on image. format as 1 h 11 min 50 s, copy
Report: 11 h 36 min 32 s
